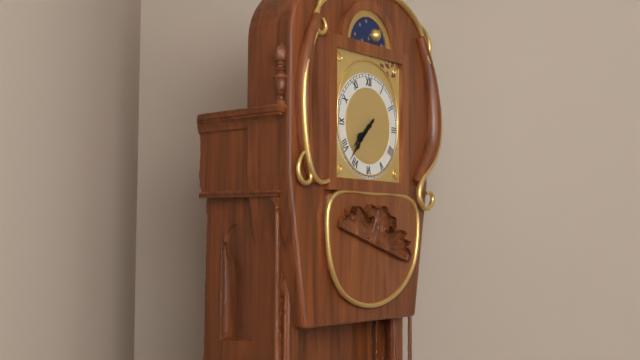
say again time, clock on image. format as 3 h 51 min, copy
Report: 7 h 37 min
